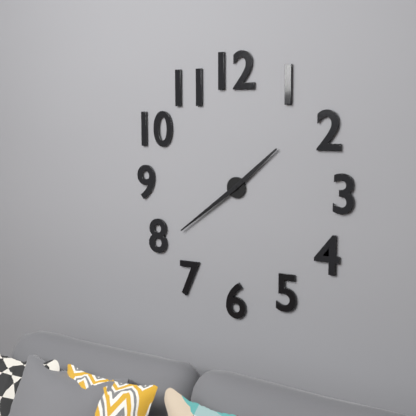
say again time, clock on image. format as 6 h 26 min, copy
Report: 1 h 39 min
